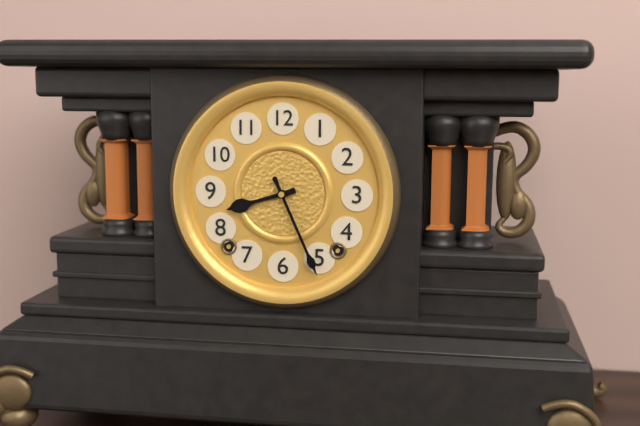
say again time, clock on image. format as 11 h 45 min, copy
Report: 8 h 26 min
